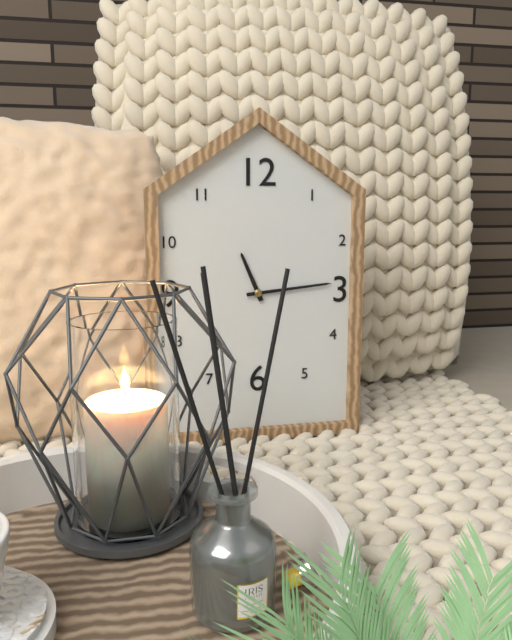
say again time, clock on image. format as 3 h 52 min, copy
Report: 11 h 14 min
